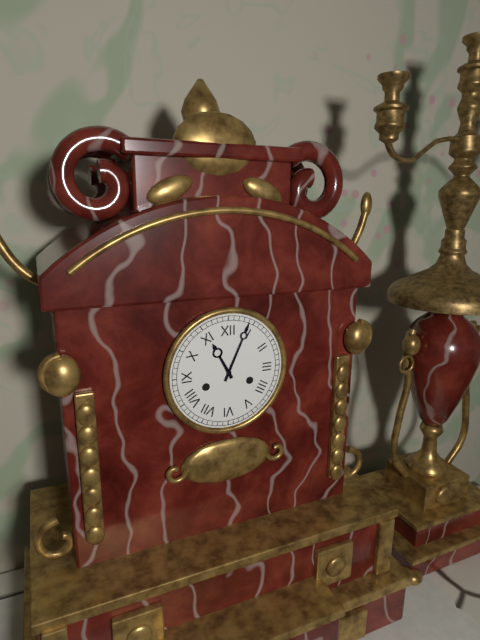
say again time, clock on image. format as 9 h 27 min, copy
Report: 11 h 04 min
